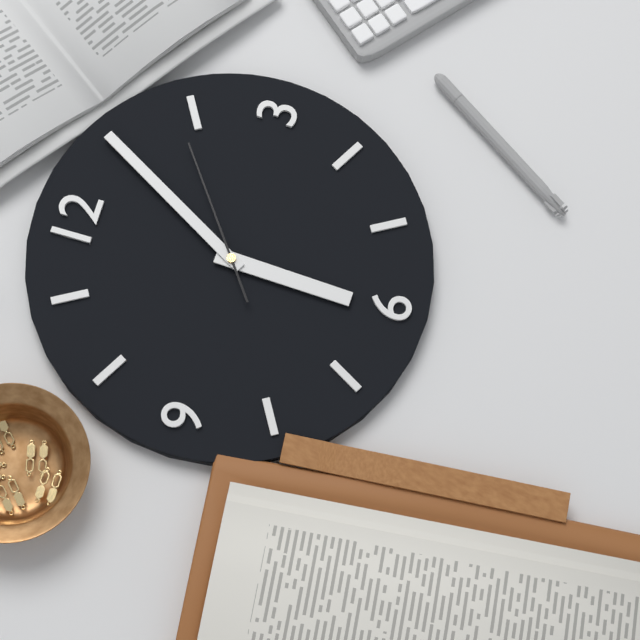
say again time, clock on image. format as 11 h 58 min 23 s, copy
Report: 6 h 05 min 09 s
